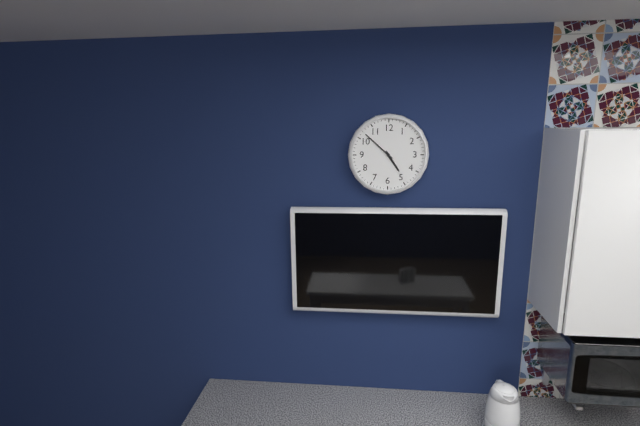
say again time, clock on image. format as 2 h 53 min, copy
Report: 4 h 52 min
